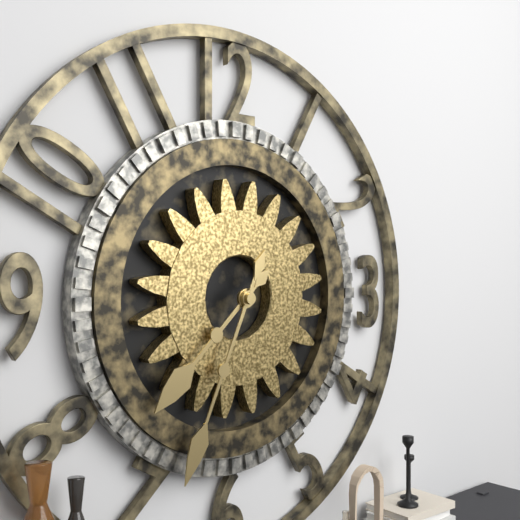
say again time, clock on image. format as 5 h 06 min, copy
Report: 7 h 34 min
